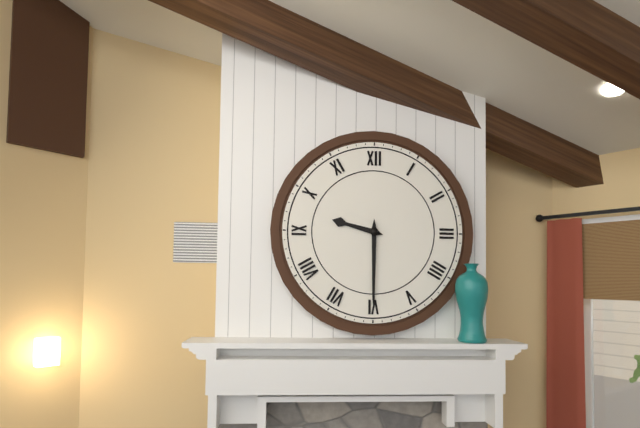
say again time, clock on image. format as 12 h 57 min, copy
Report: 9 h 30 min
